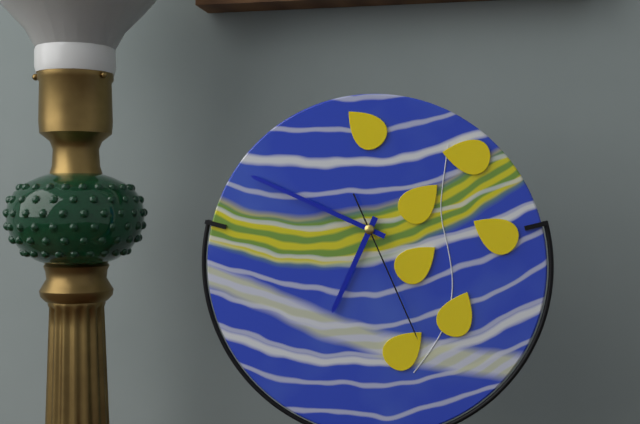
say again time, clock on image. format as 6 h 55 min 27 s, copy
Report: 6 h 49 min 26 s
